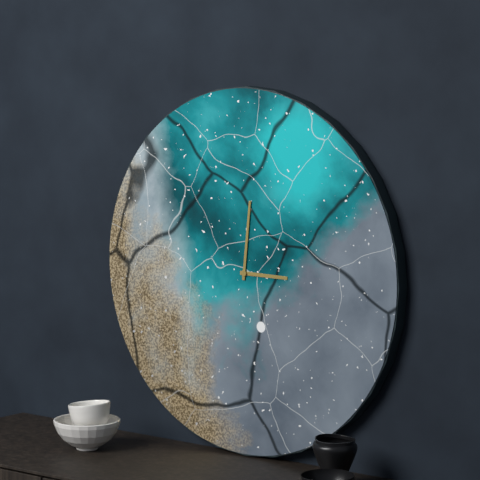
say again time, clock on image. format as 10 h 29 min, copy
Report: 3 h 01 min
